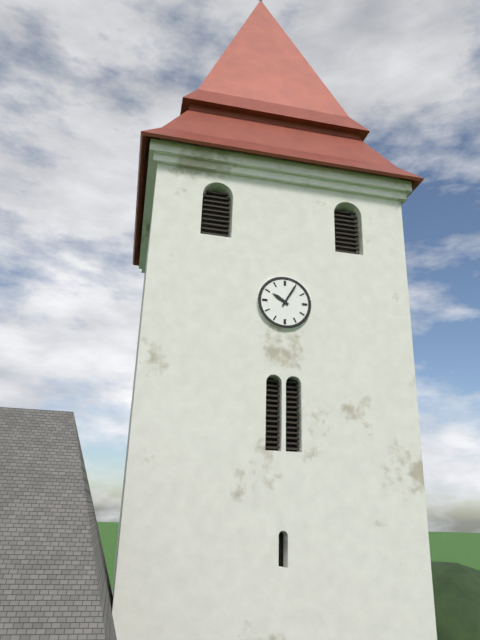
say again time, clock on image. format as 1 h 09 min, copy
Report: 10 h 05 min
